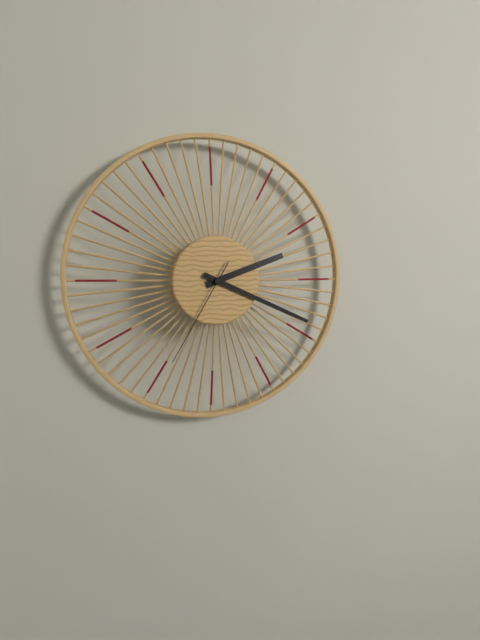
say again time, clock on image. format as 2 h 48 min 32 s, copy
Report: 2 h 19 min 35 s
